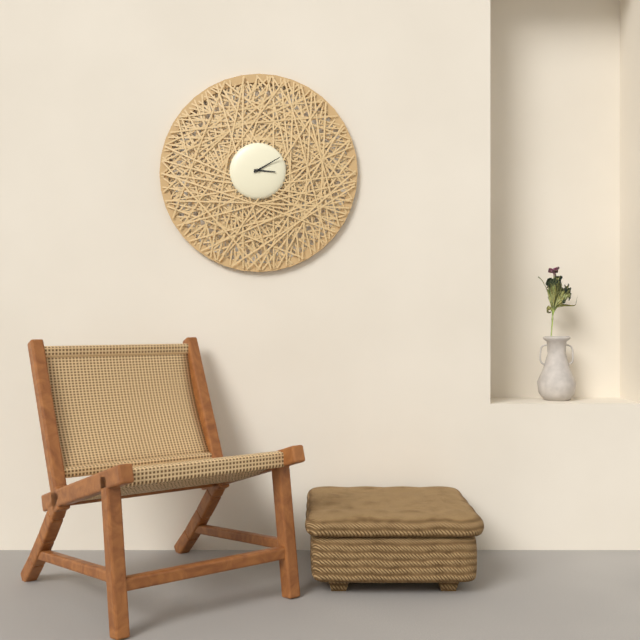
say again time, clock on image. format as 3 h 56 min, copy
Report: 3 h 10 min
